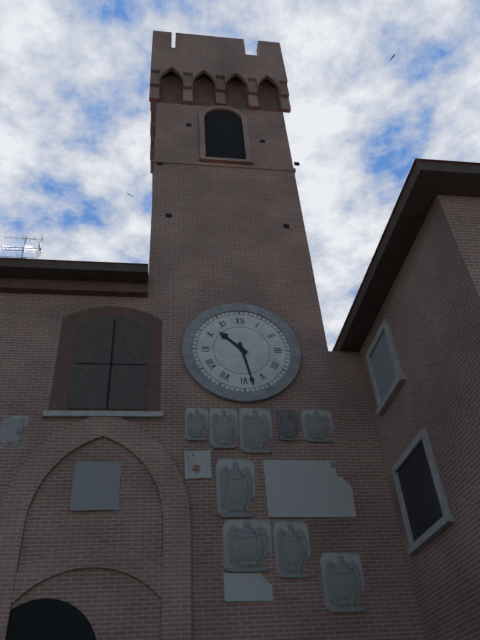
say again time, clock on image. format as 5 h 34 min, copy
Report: 10 h 28 min
